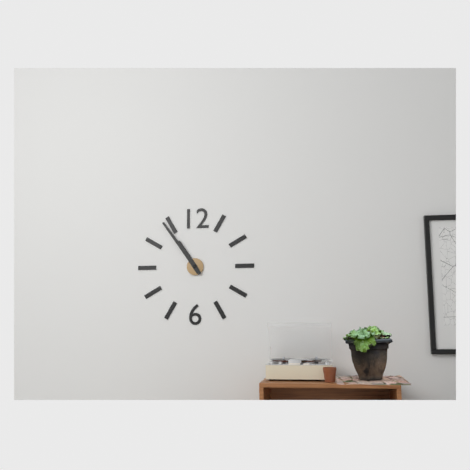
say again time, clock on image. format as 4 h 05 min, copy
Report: 10 h 54 min
